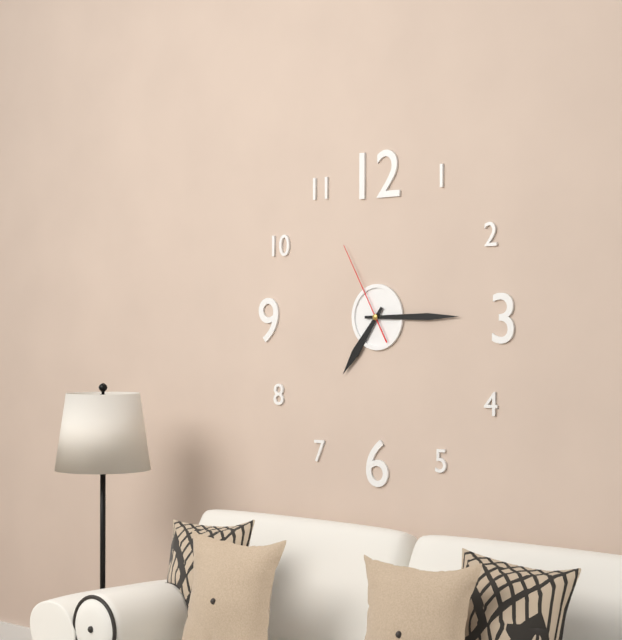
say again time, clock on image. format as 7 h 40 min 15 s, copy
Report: 7 h 15 min 55 s
